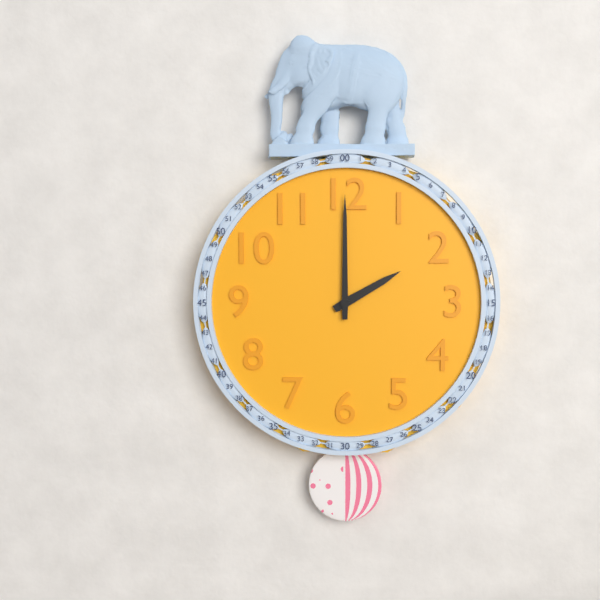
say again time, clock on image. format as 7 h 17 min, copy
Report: 2 h 00 min
